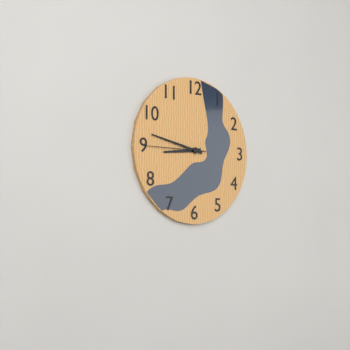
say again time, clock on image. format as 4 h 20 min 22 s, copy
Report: 8 h 47 min 45 s
